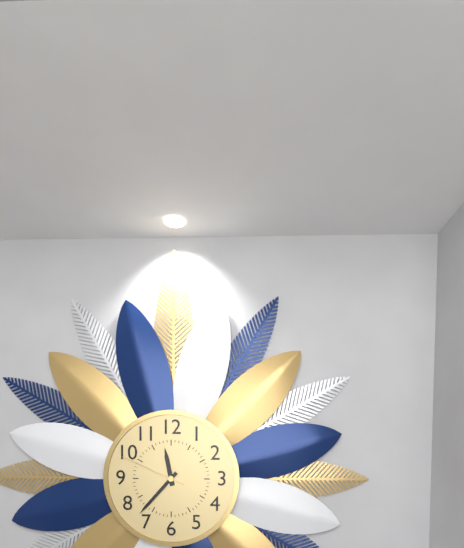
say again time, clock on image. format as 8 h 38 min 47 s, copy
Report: 11 h 37 min 49 s
